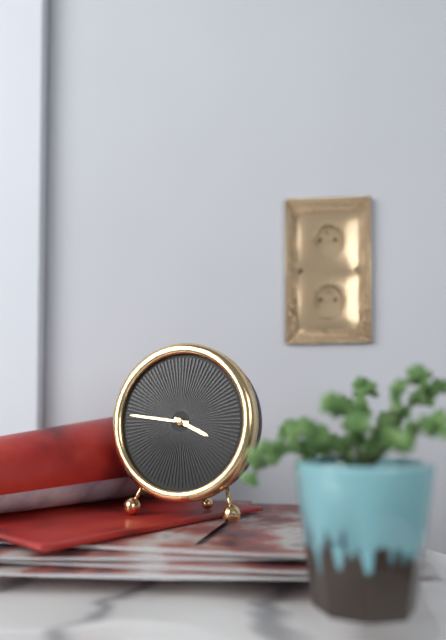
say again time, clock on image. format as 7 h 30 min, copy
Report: 3 h 46 min
